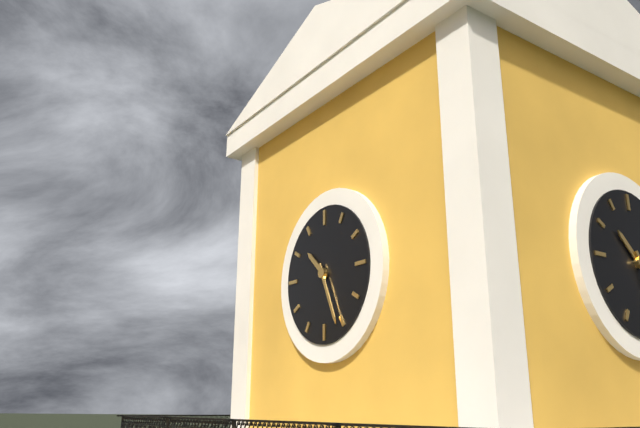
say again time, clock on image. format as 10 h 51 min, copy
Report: 10 h 26 min
